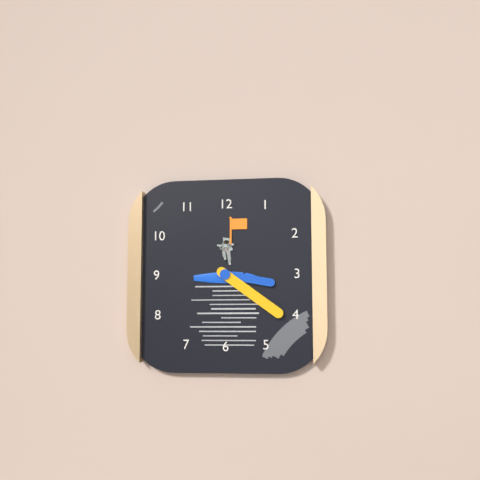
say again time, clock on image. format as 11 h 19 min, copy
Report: 3 h 21 min
